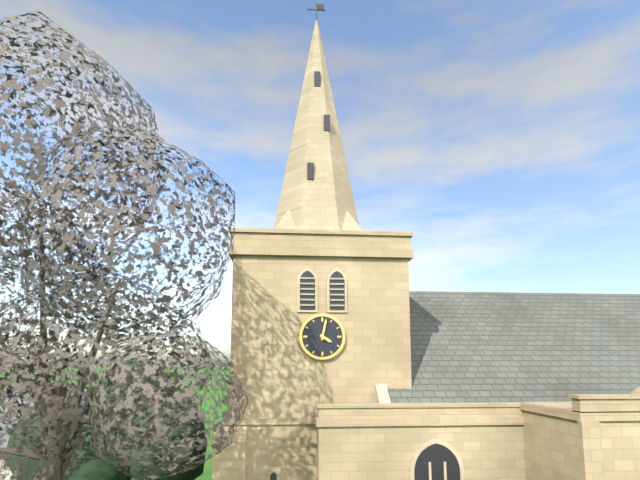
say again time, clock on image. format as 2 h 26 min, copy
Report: 4 h 02 min
